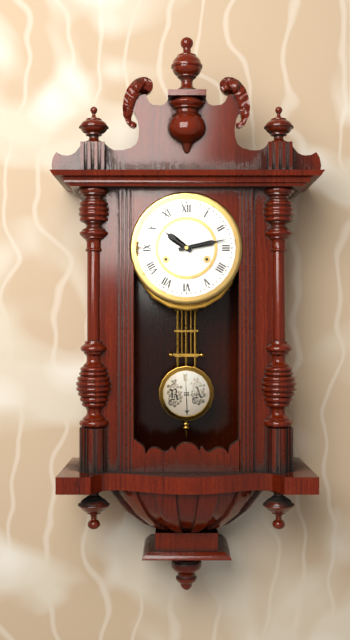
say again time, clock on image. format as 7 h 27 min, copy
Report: 10 h 13 min
